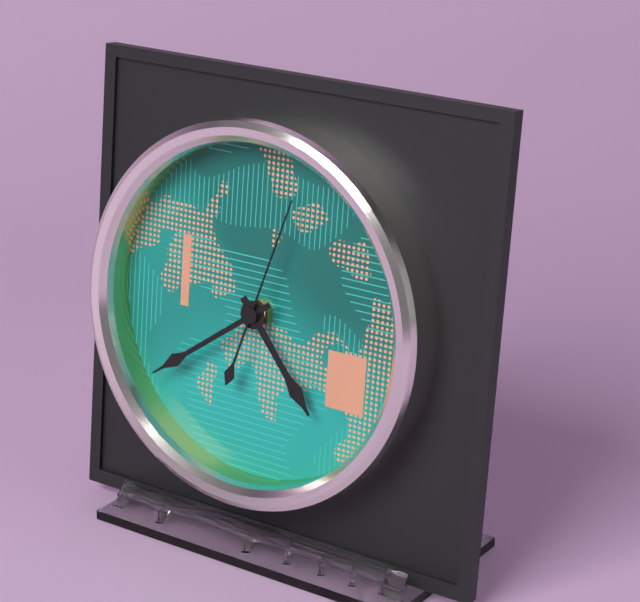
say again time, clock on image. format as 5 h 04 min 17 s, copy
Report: 4 h 39 min 03 s
